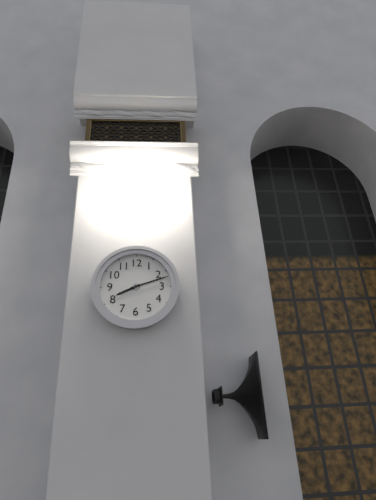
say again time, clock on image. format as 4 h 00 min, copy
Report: 8 h 12 min
